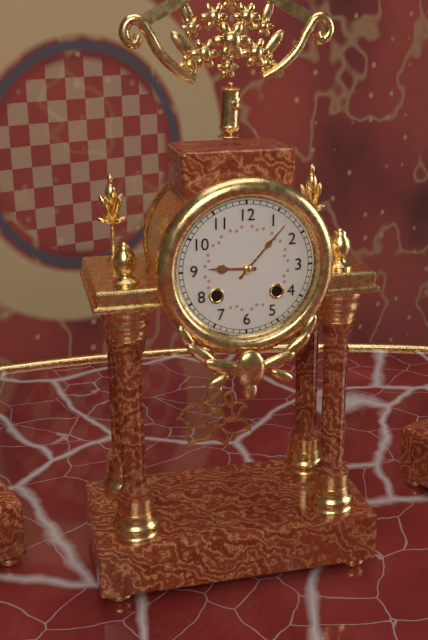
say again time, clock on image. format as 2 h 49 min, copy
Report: 9 h 07 min
